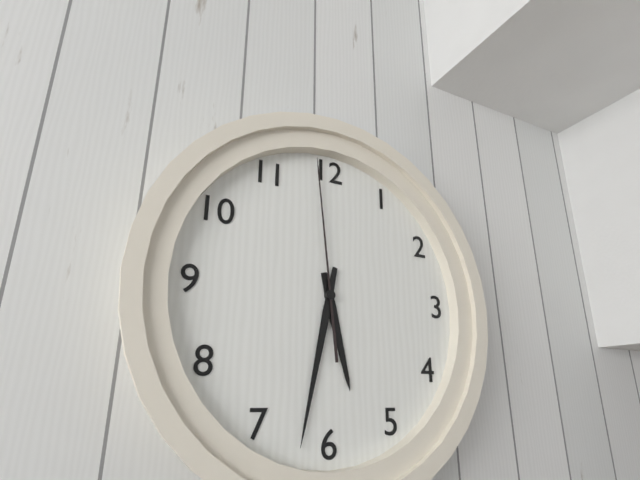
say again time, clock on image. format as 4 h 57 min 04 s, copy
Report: 5 h 32 min 59 s
